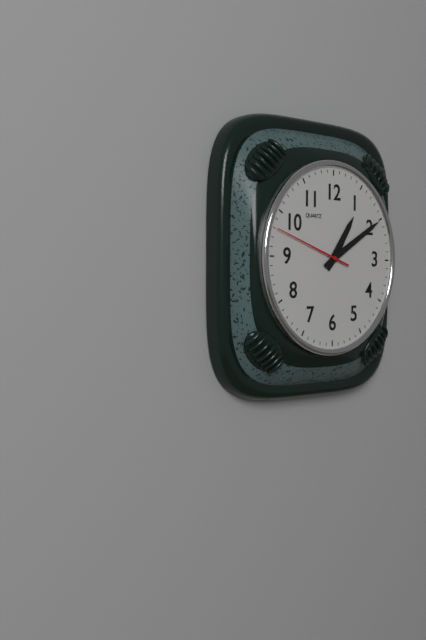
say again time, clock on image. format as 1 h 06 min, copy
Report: 1 h 10 min
